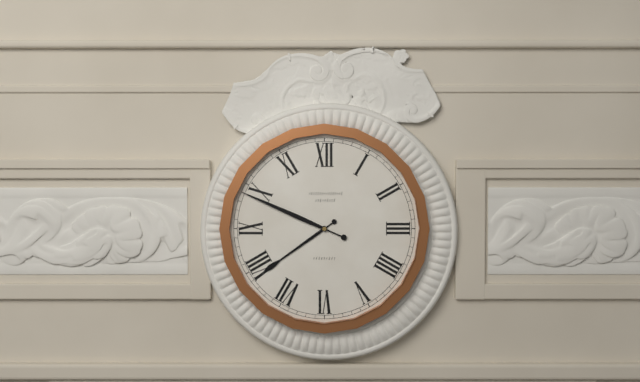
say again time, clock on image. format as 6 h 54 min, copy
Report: 7 h 49 min
